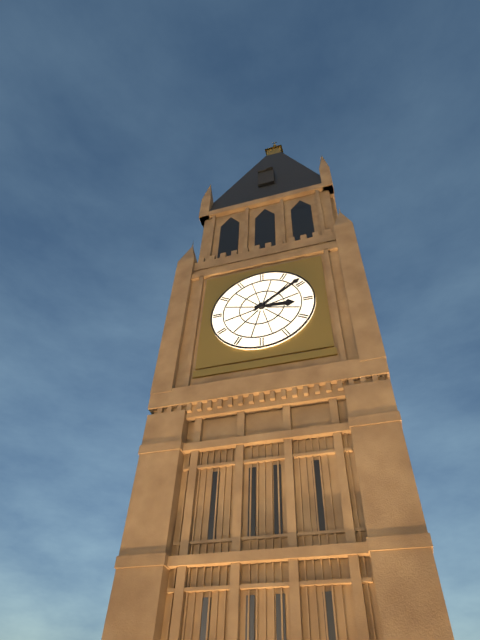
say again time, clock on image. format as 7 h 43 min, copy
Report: 3 h 09 min
